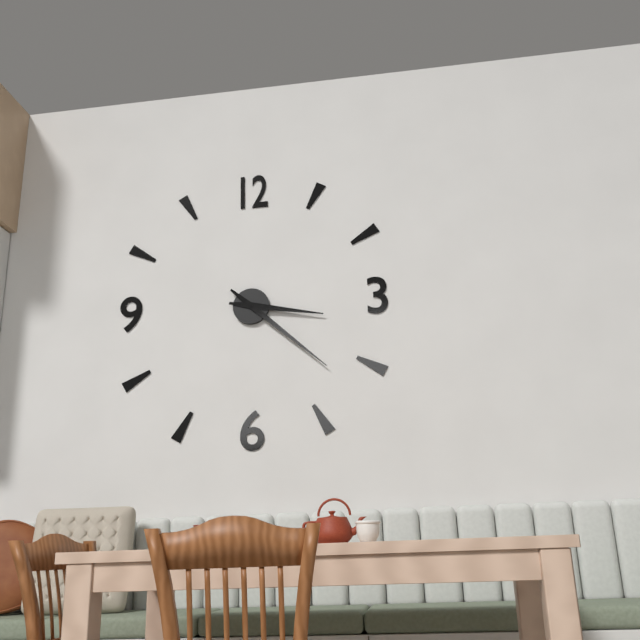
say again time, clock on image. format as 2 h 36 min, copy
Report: 3 h 22 min
